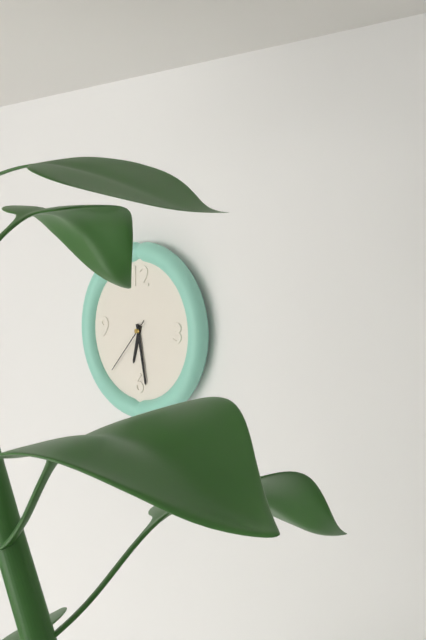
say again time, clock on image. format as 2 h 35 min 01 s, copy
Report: 6 h 28 min 37 s
